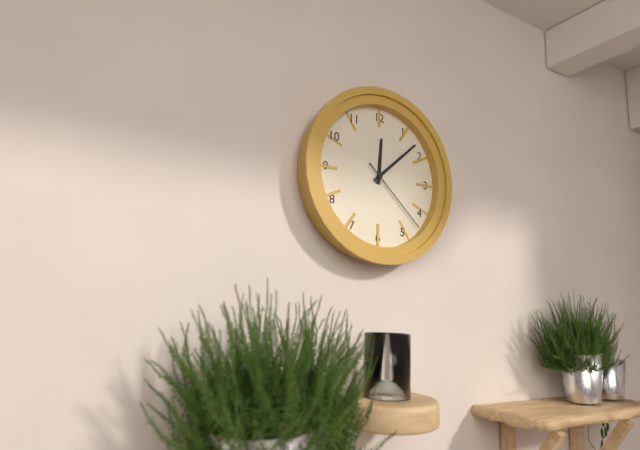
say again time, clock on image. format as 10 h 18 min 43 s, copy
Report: 12 h 08 min 22 s
